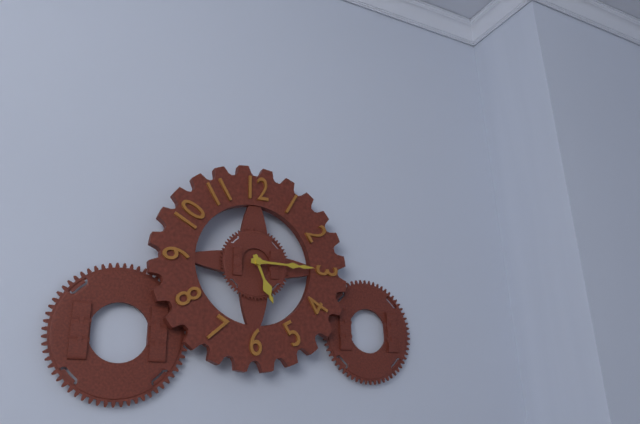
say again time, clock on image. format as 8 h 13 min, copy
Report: 5 h 15 min
